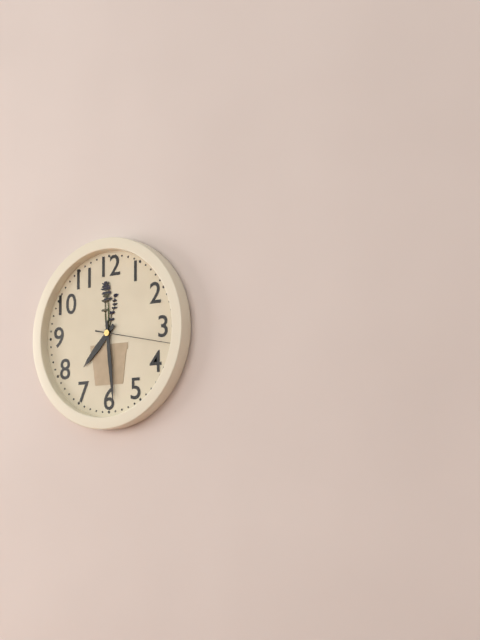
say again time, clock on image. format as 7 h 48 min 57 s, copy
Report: 7 h 29 min 17 s
